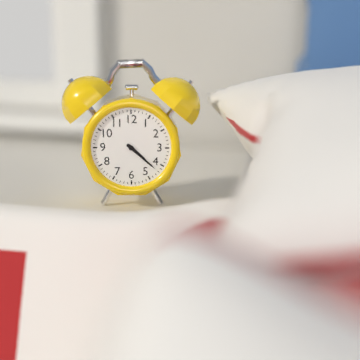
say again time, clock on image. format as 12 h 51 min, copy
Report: 4 h 22 min
